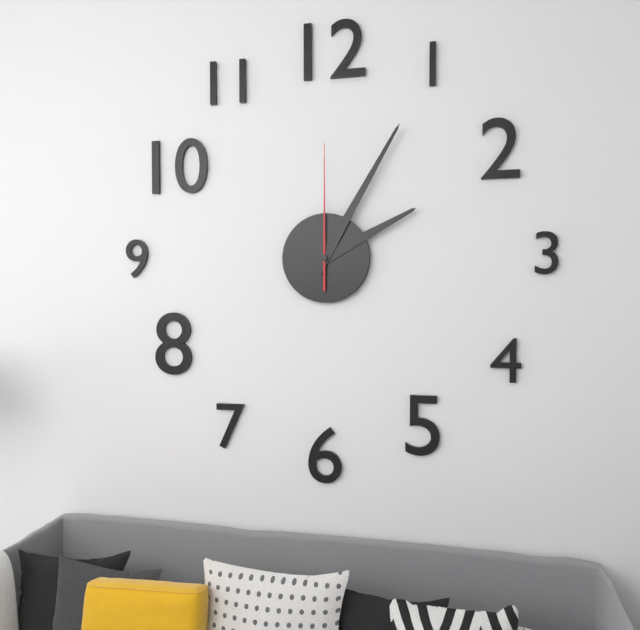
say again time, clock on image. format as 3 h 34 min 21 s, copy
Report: 2 h 05 min 00 s
